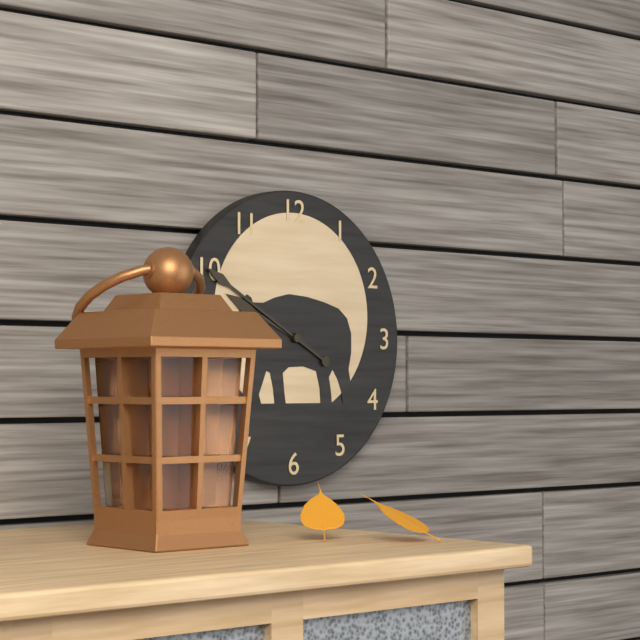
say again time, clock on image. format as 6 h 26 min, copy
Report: 9 h 50 min
